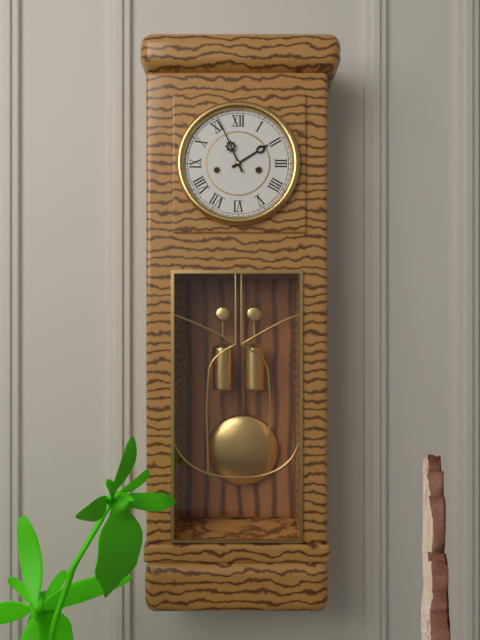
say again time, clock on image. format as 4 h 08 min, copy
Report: 1 h 56 min
